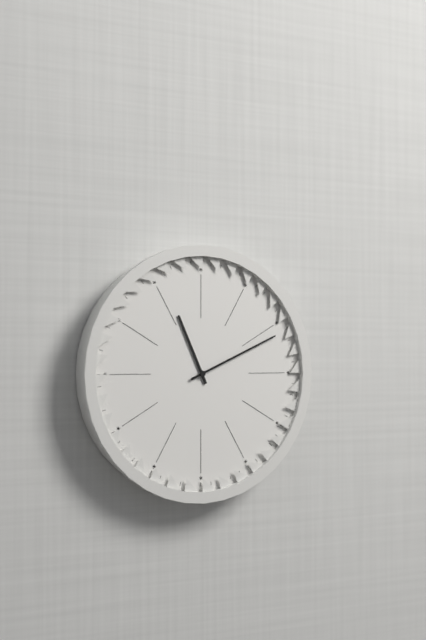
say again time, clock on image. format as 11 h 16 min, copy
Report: 11 h 11 min
